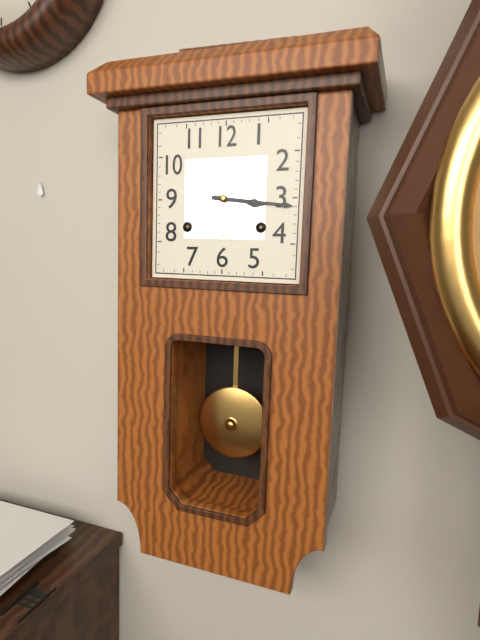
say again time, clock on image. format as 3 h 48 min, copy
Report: 3 h 16 min
